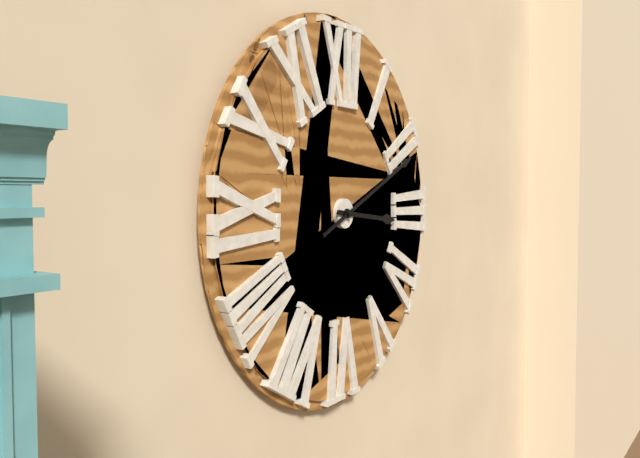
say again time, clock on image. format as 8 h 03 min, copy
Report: 3 h 11 min
